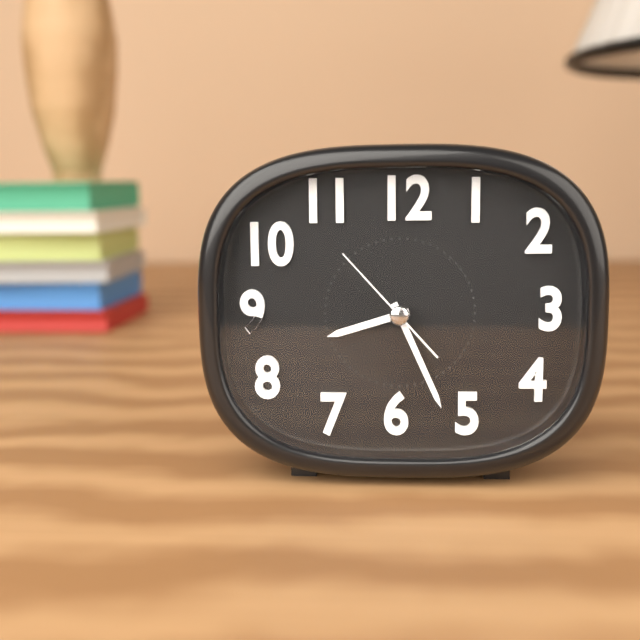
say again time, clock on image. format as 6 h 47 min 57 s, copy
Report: 8 h 26 min 53 s
